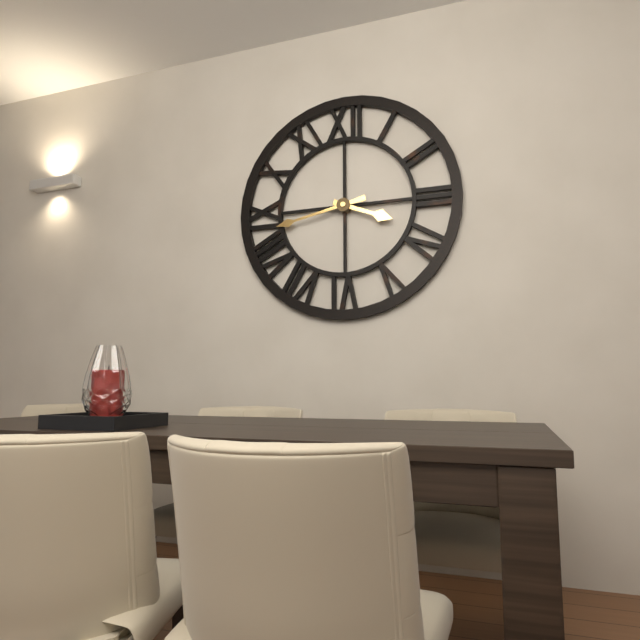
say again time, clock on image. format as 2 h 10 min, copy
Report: 3 h 43 min
